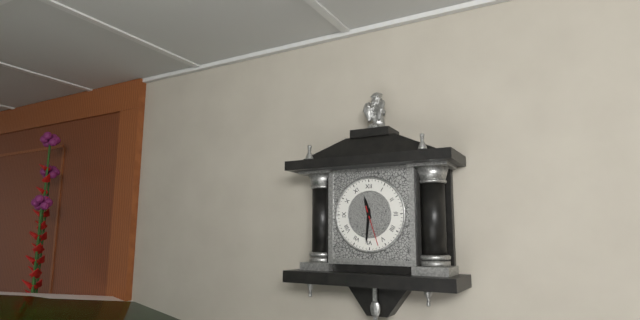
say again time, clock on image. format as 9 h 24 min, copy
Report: 11 h 31 min
